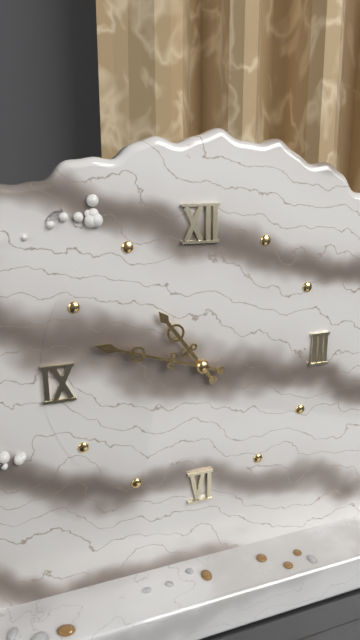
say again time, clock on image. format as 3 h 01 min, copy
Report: 10 h 48 min
